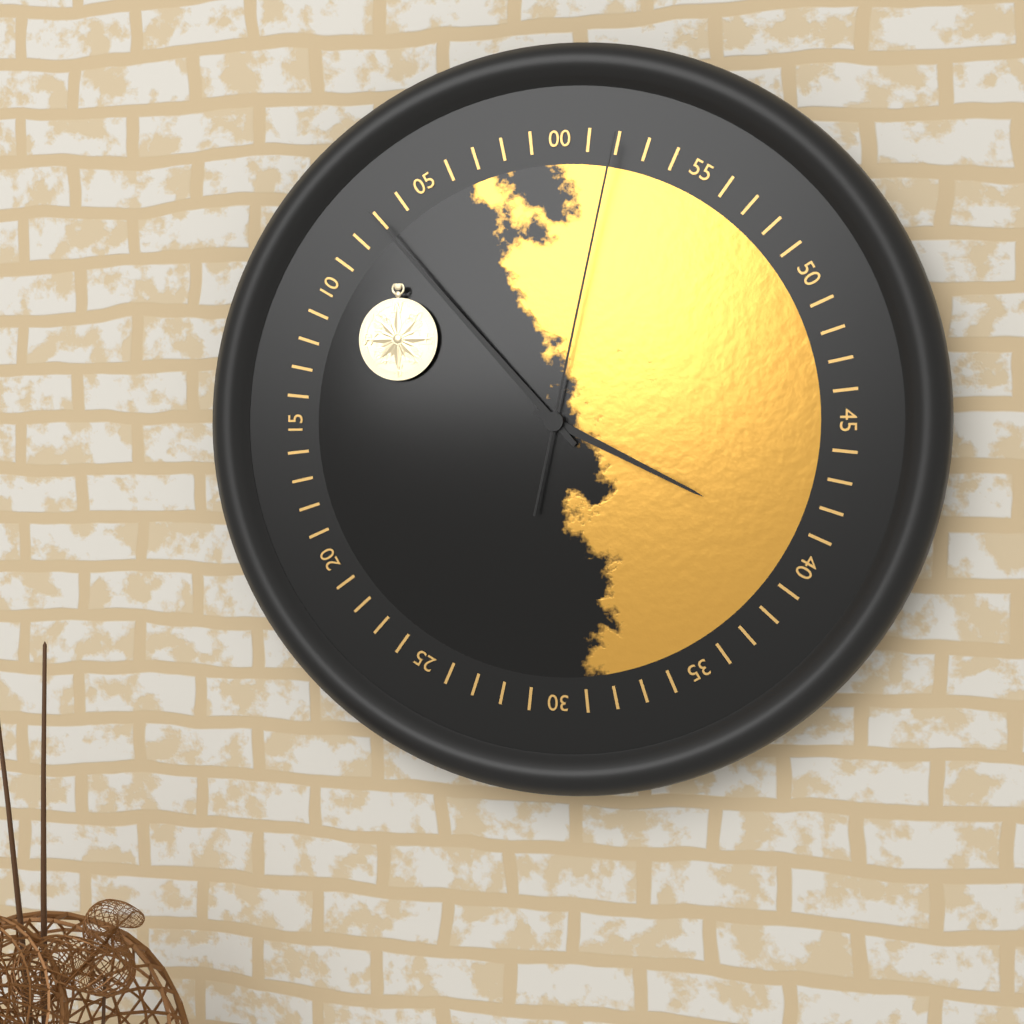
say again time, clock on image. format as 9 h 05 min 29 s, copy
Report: 3 h 53 min 02 s
